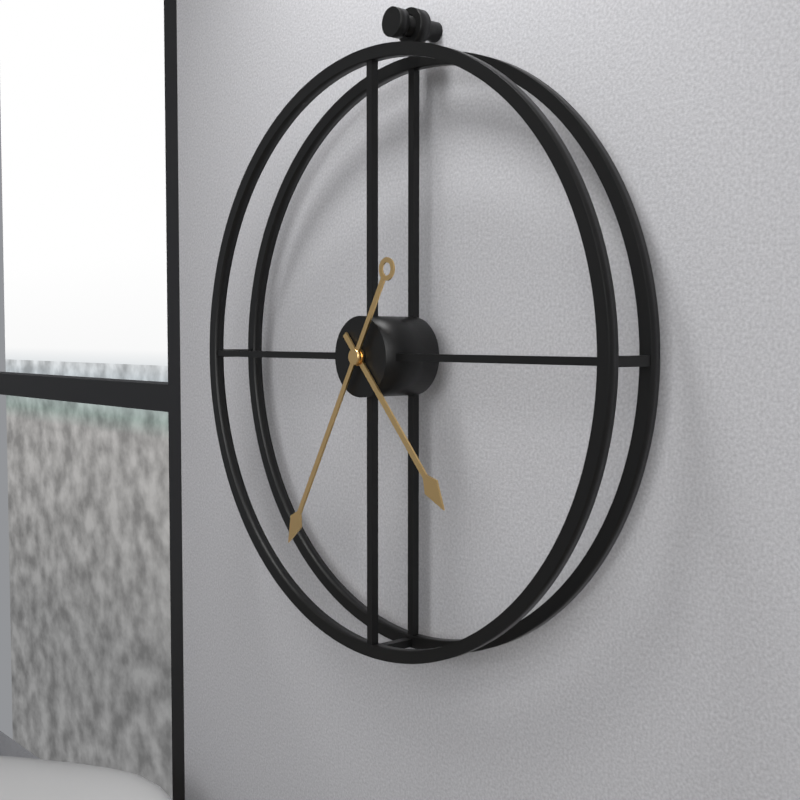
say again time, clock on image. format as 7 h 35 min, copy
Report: 4 h 35 min
